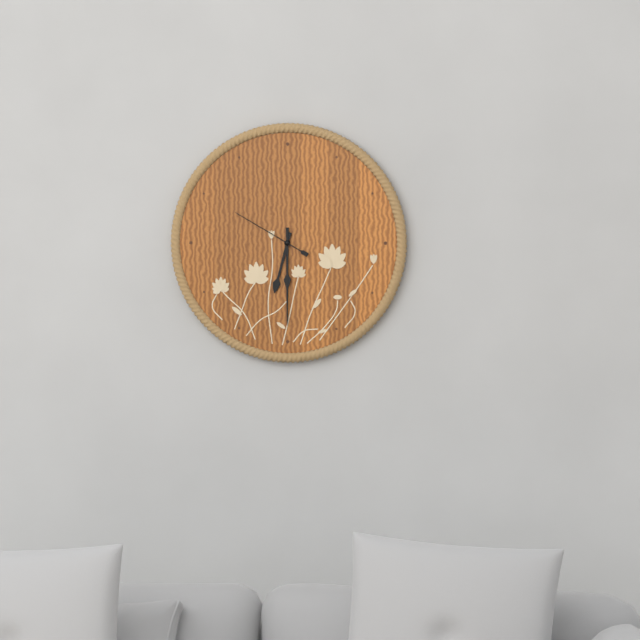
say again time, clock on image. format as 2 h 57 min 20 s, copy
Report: 6 h 30 min 50 s
